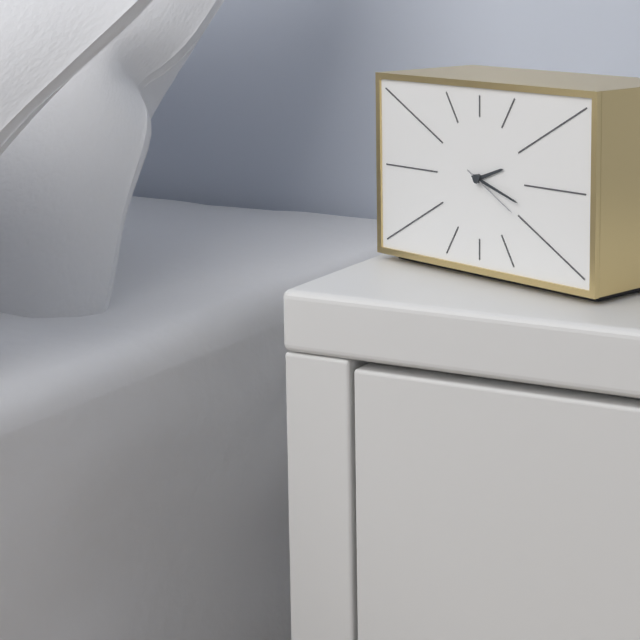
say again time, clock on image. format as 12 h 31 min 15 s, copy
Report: 2 h 18 min 20 s
